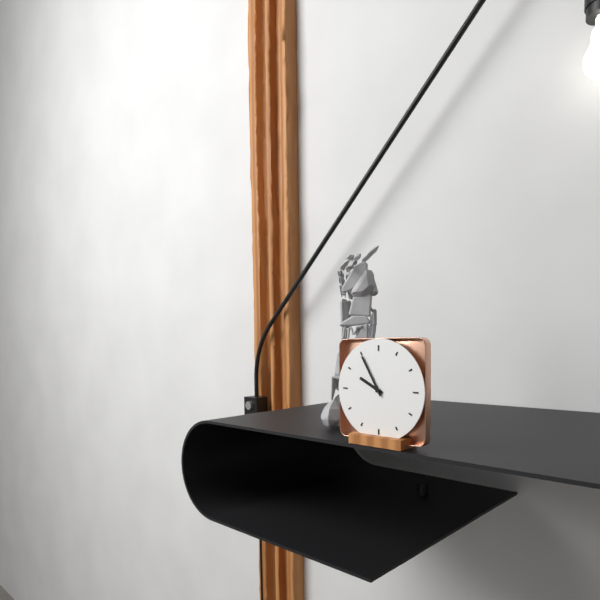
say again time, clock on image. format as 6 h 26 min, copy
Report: 9 h 55 min
